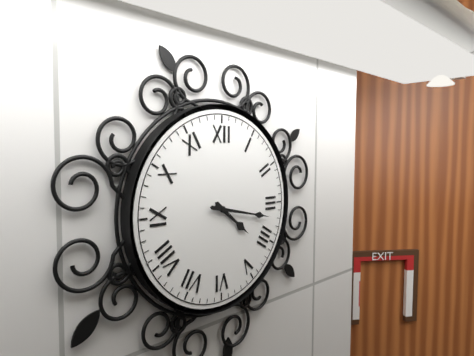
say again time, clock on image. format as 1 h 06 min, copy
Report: 4 h 17 min
